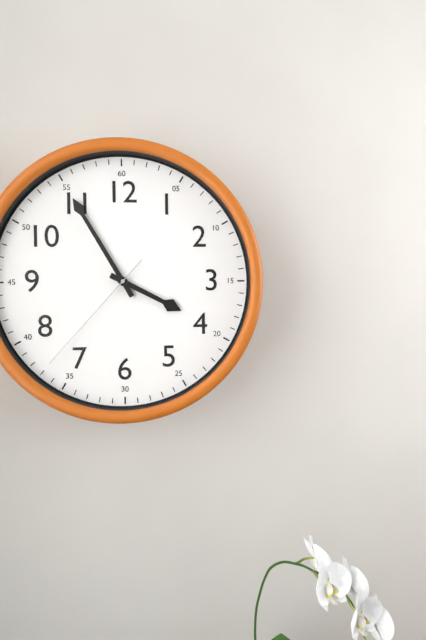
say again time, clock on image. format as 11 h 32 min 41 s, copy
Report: 3 h 55 min 37 s
